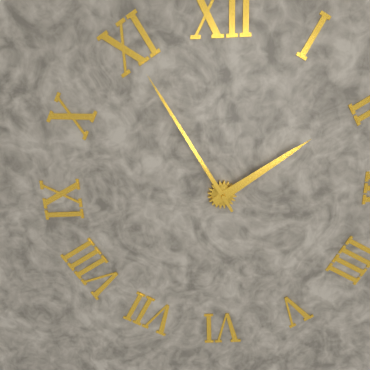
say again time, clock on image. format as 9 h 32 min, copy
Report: 1 h 55 min
